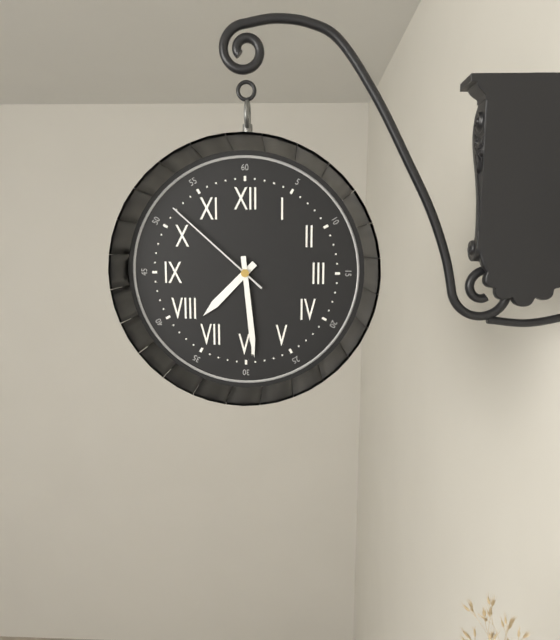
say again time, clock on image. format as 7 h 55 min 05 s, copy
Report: 7 h 29 min 52 s
